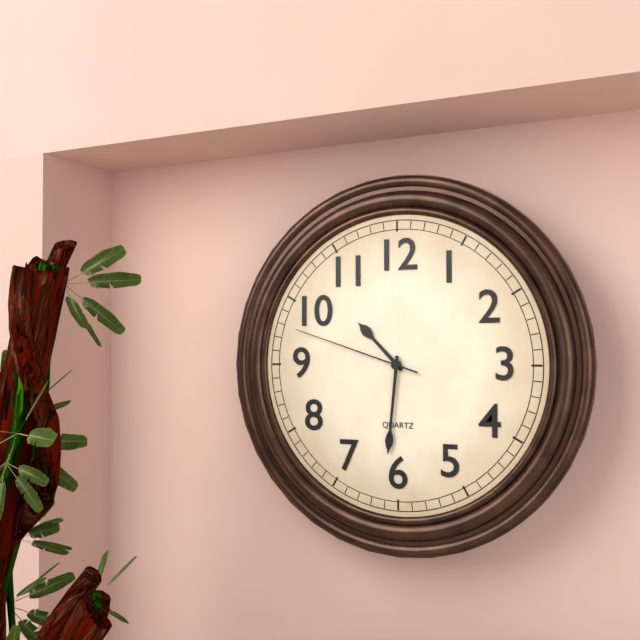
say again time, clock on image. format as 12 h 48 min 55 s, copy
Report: 10 h 31 min 48 s
